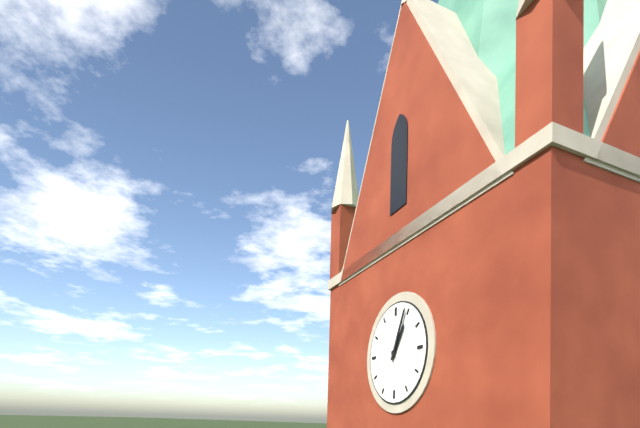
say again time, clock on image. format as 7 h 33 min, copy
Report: 1 h 04 min
